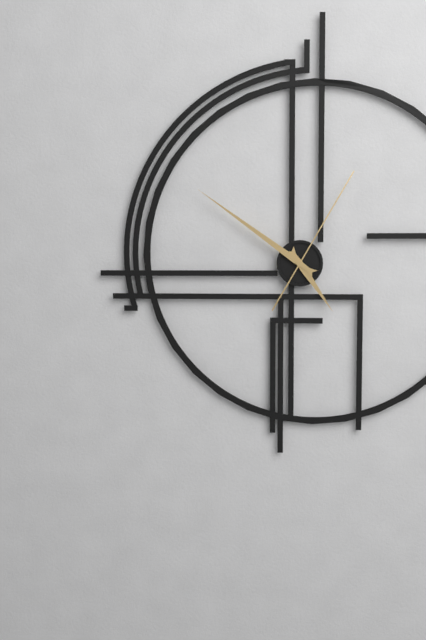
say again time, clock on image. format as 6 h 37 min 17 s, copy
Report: 4 h 51 min 05 s
